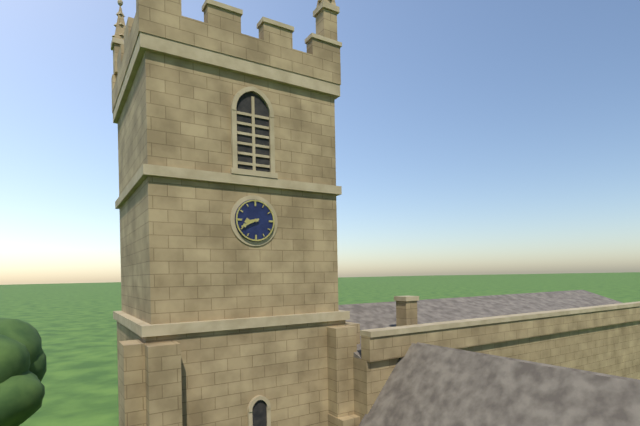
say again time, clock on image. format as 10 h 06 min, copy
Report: 8 h 41 min
